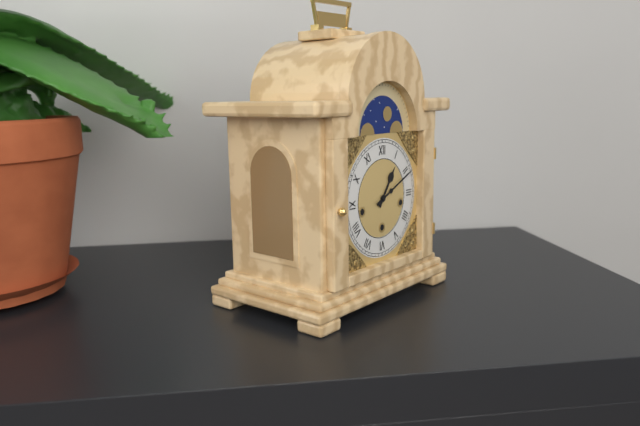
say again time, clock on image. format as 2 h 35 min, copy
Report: 1 h 11 min
